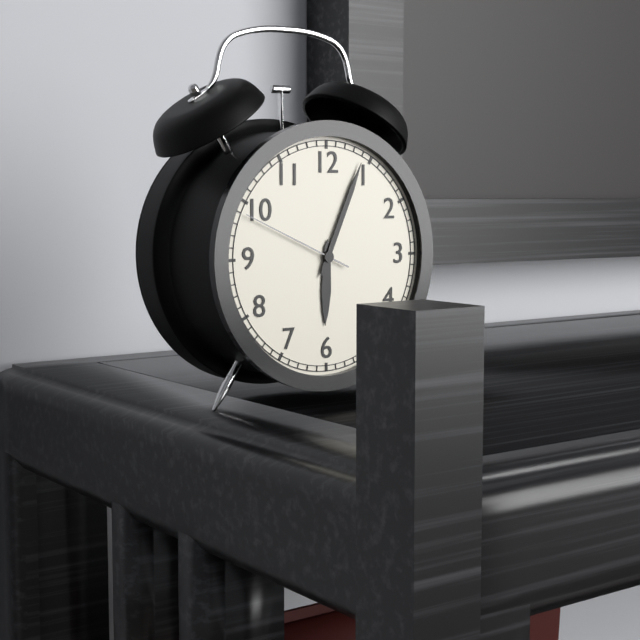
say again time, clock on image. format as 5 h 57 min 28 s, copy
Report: 6 h 04 min 49 s
